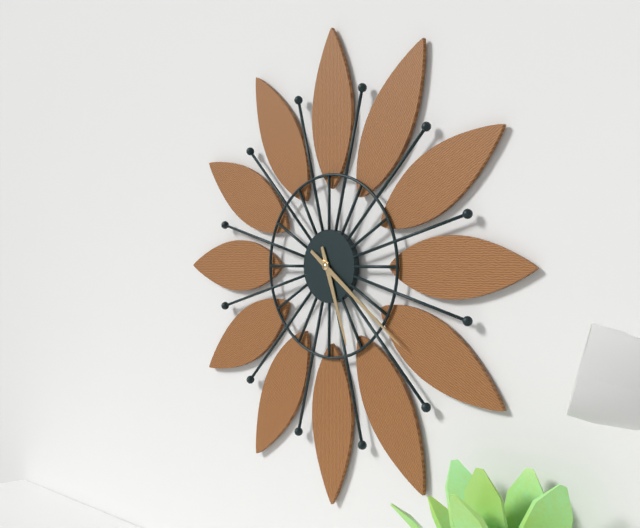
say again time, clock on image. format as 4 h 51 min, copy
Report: 5 h 21 min
